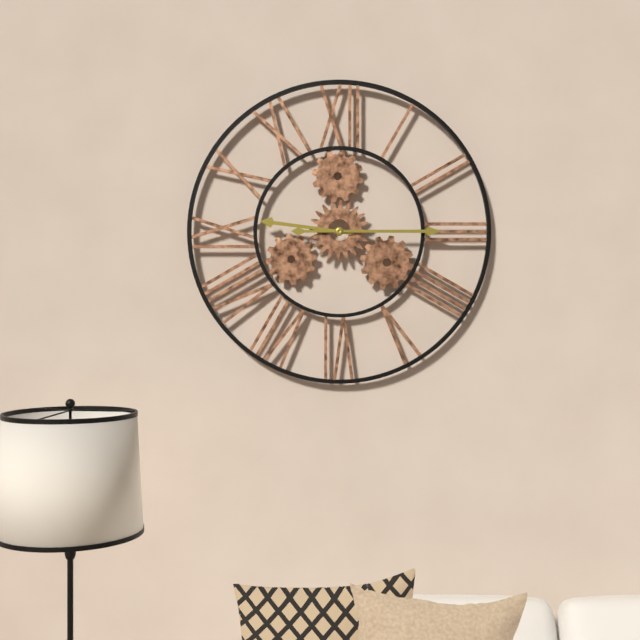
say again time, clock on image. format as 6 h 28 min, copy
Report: 9 h 15 min
